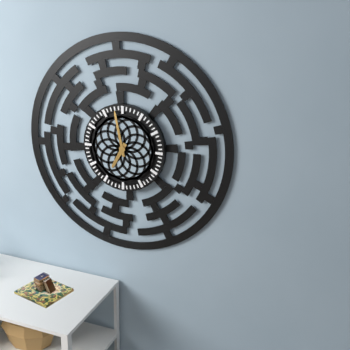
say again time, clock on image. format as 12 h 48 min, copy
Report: 6 h 58 min
